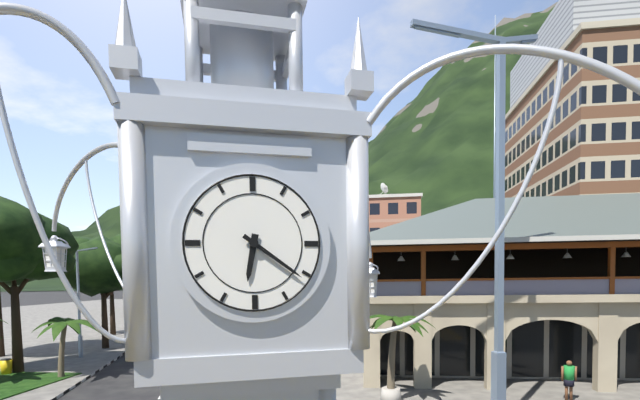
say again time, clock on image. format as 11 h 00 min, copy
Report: 6 h 21 min
